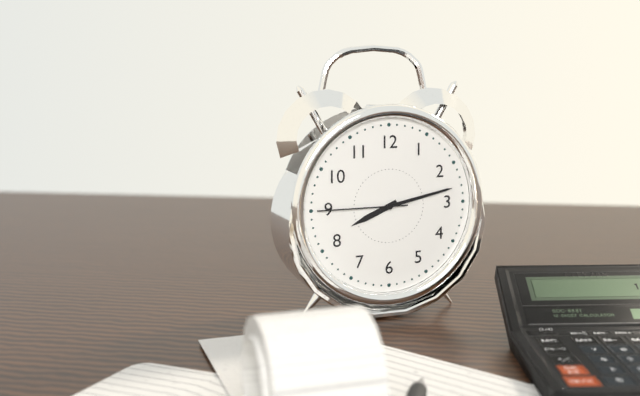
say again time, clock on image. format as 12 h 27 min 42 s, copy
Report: 8 h 13 min 45 s
